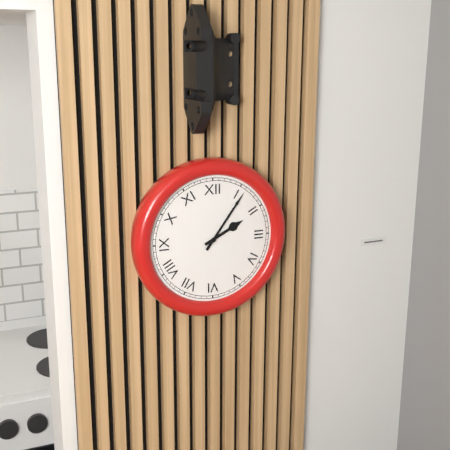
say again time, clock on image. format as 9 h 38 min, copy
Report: 2 h 06 min
